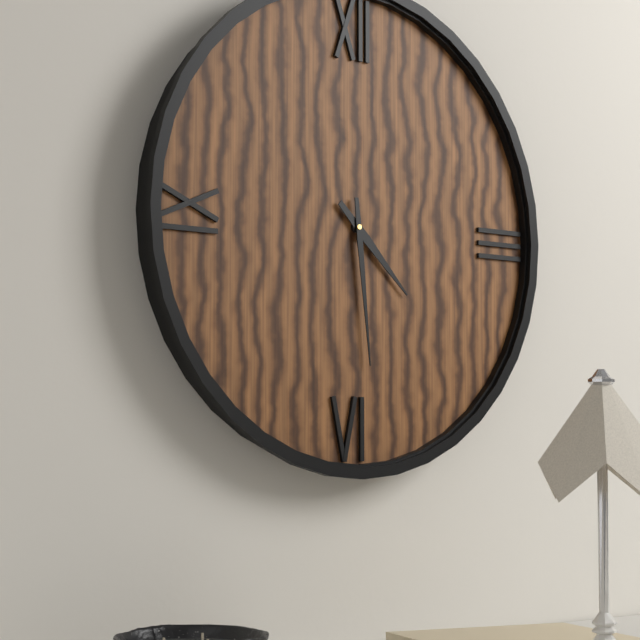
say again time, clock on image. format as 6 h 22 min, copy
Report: 4 h 29 min
